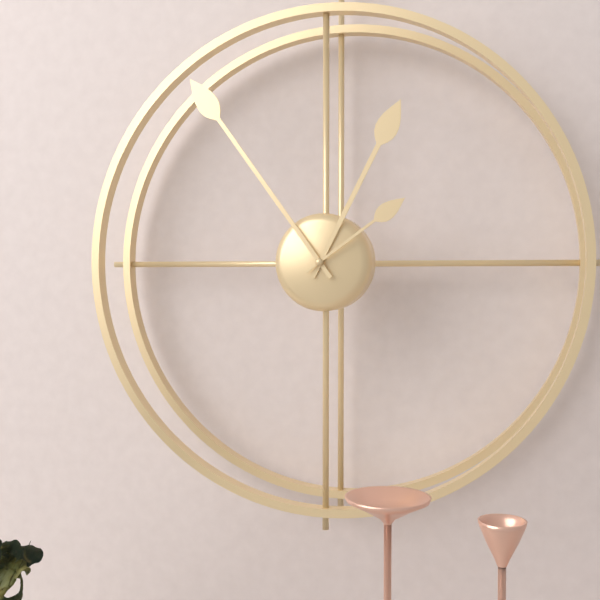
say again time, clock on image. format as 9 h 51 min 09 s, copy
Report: 12 h 54 min 09 s
